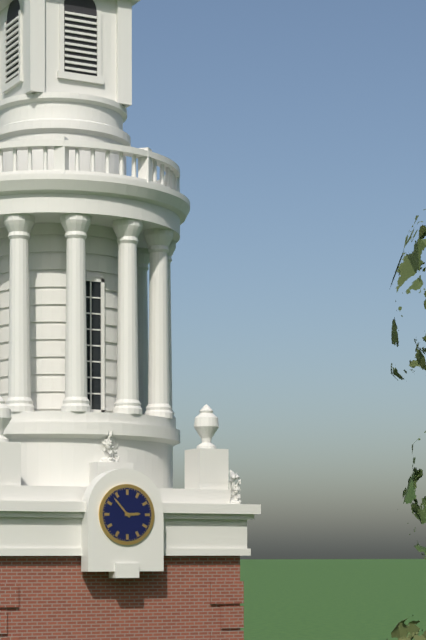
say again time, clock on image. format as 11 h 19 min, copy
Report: 2 h 53 min
